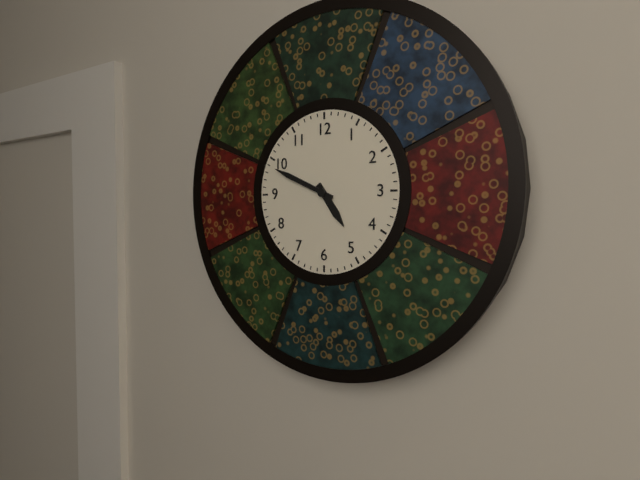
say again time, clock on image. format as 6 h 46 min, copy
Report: 4 h 49 min
